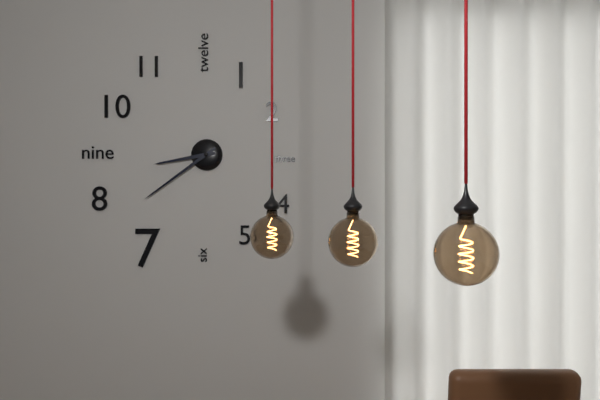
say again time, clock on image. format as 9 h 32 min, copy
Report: 8 h 39 min
